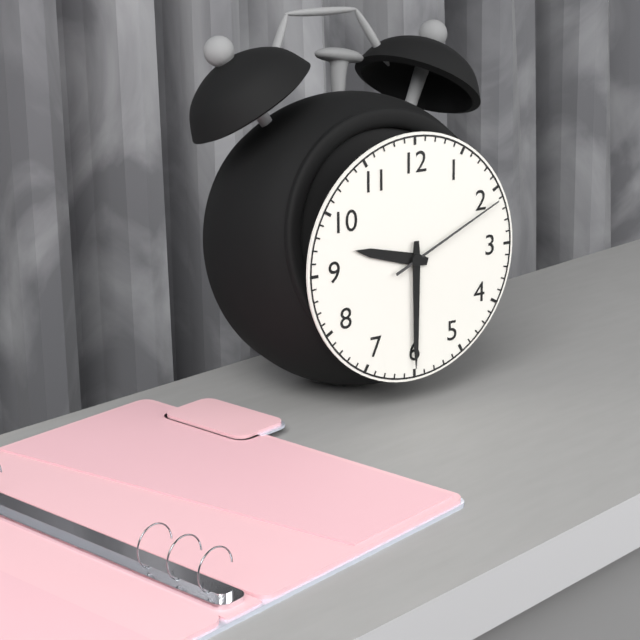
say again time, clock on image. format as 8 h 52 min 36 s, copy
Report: 9 h 30 min 11 s
